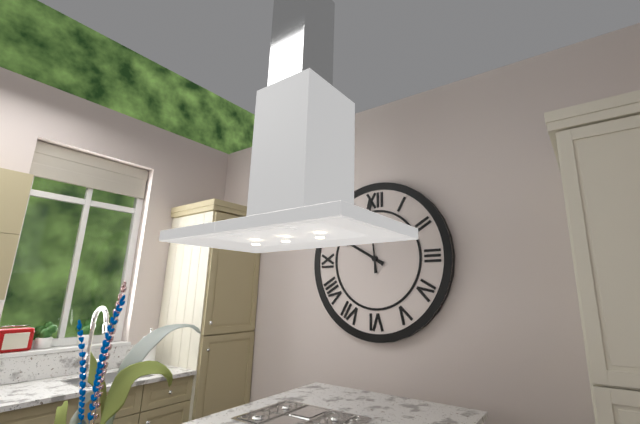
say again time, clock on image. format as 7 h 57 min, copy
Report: 9 h 59 min
